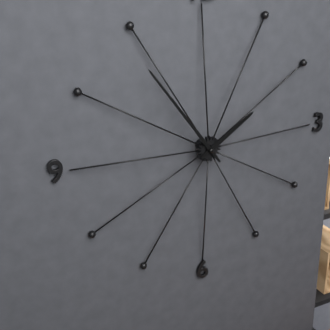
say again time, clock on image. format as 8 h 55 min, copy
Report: 1 h 54 min
